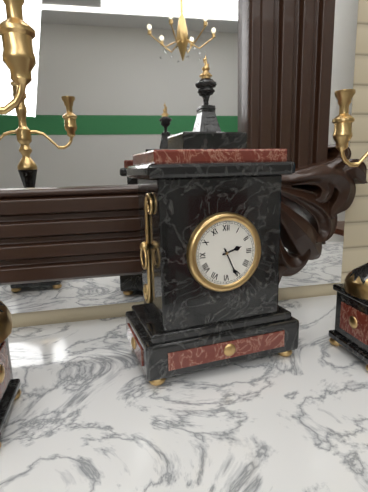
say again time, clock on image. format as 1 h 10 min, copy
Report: 2 h 26 min
